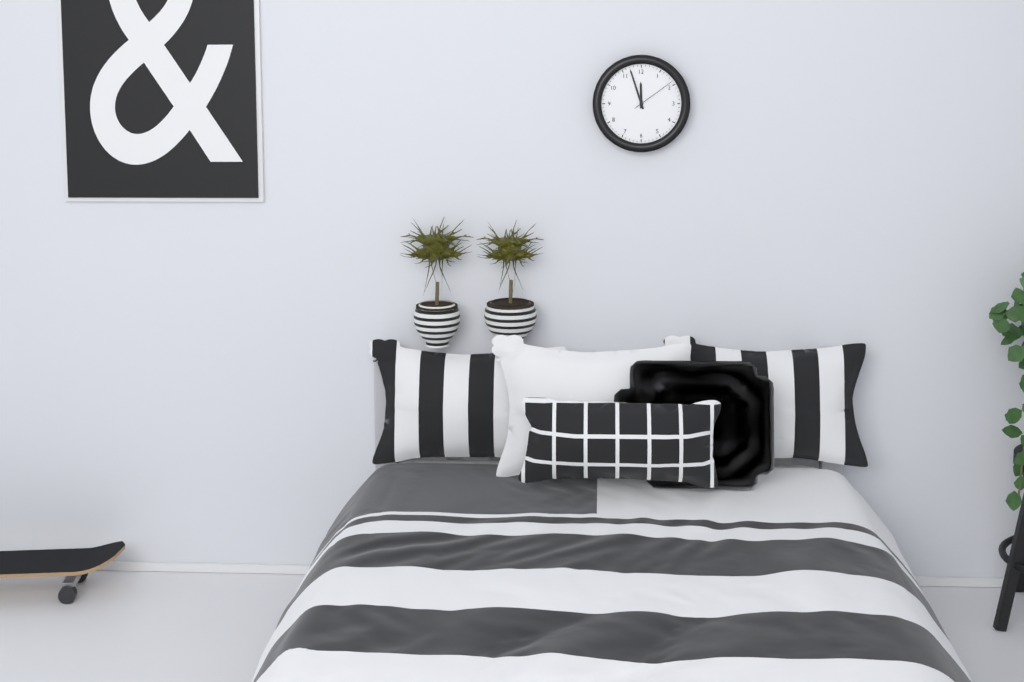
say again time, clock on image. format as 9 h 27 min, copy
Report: 11 h 57 min
